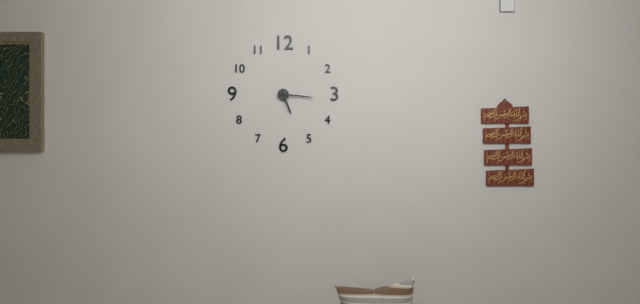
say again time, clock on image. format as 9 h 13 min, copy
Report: 5 h 16 min
